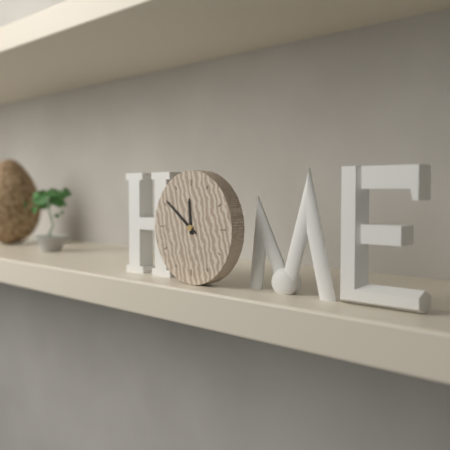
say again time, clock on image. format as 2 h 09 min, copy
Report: 11 h 51 min
